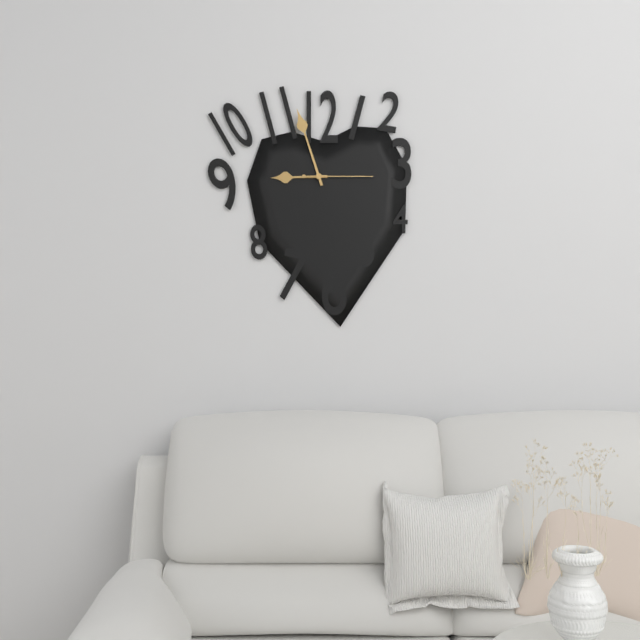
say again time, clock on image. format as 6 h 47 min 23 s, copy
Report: 8 h 57 min 15 s
